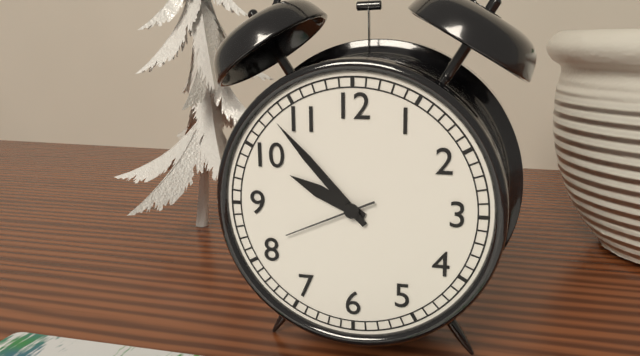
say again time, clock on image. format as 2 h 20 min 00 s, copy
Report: 9 h 53 min 41 s
